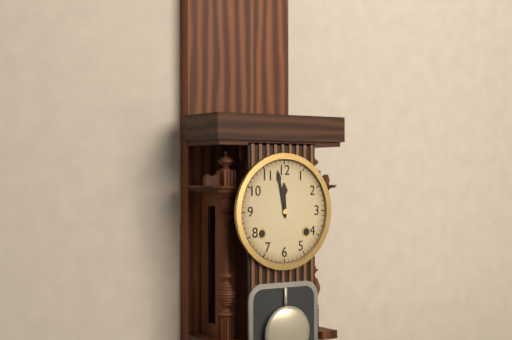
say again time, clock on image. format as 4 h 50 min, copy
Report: 11 h 58 min
